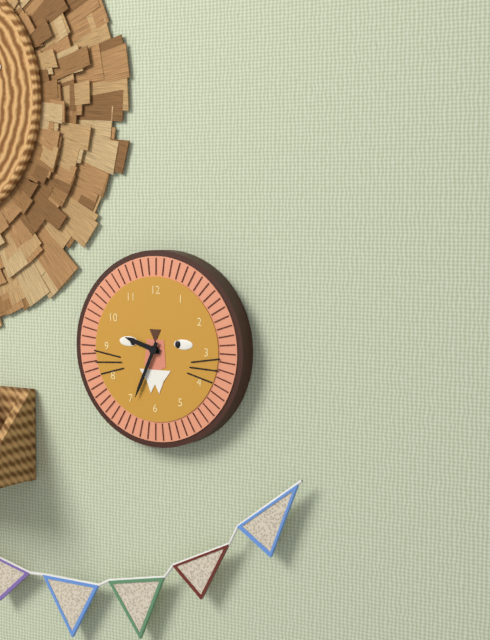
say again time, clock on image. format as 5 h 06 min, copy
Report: 9 h 34 min
